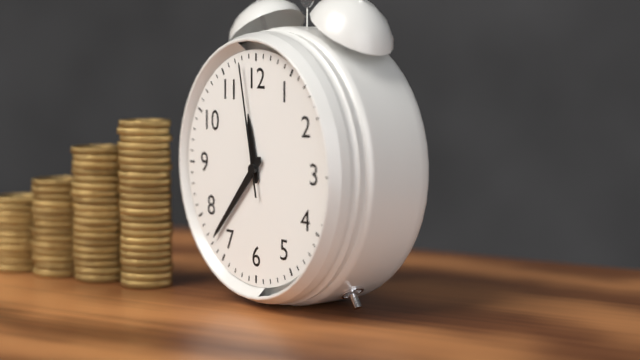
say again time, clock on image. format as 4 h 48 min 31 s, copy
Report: 11 h 37 min 58 s
